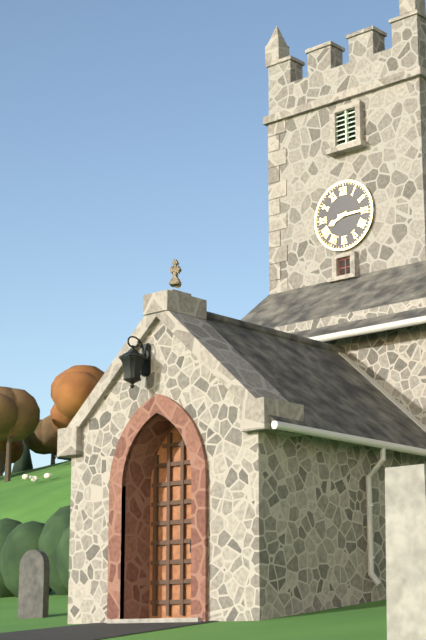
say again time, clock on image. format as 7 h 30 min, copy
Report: 8 h 15 min
